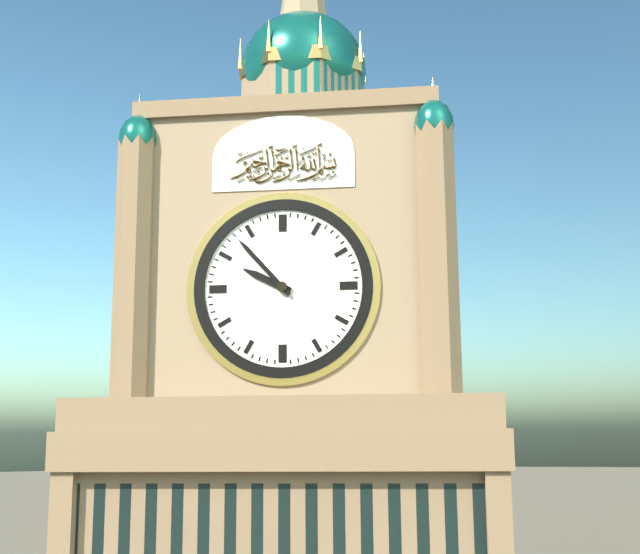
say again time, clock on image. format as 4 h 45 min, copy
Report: 9 h 53 min
